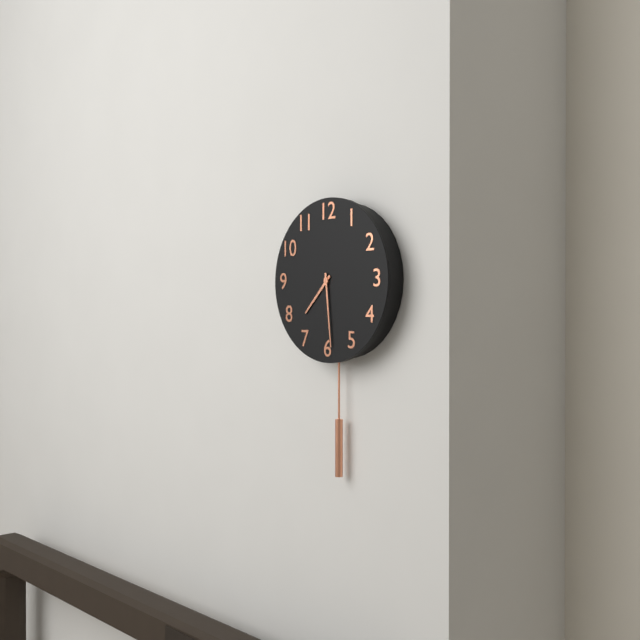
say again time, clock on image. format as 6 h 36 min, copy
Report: 7 h 29 min
